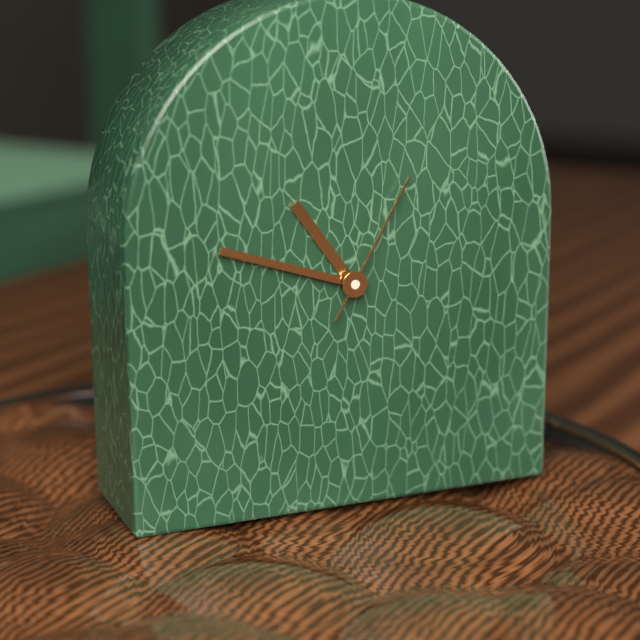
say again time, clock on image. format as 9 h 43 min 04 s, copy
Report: 10 h 48 min 05 s
